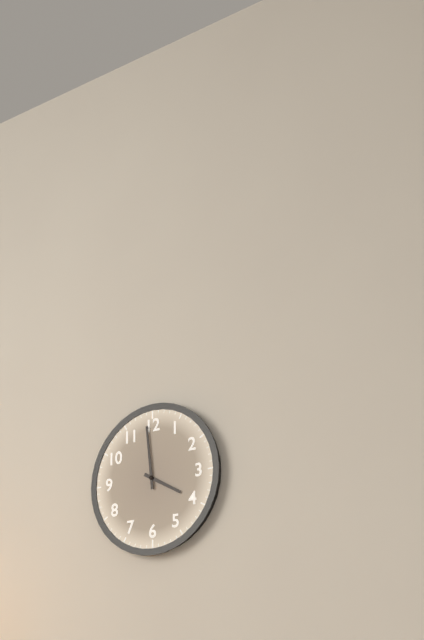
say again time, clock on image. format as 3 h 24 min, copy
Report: 3 h 59 min
